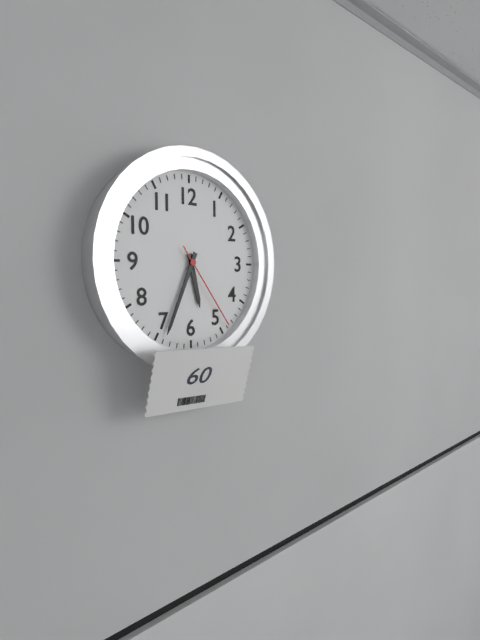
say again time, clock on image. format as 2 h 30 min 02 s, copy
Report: 5 h 34 min 24 s
